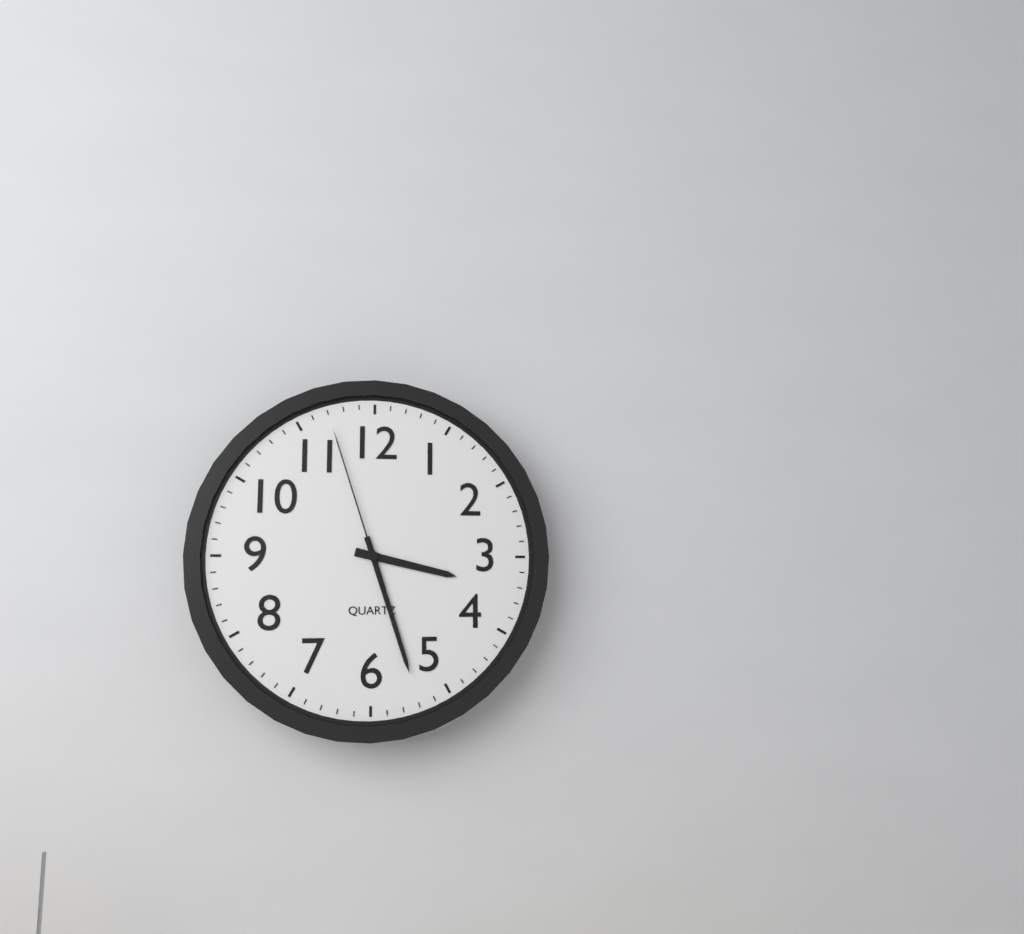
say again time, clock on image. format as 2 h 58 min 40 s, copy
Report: 3 h 27 min 57 s
